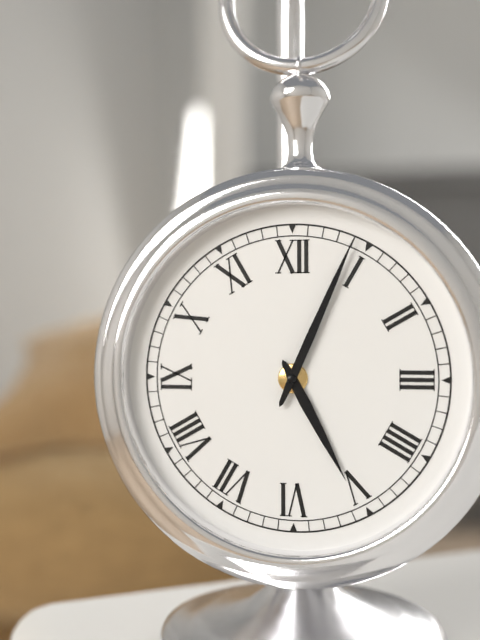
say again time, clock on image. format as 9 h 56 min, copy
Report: 5 h 04 min
